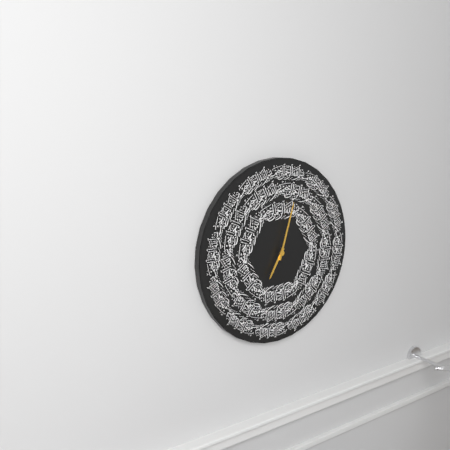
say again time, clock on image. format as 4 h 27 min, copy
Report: 7 h 03 min
